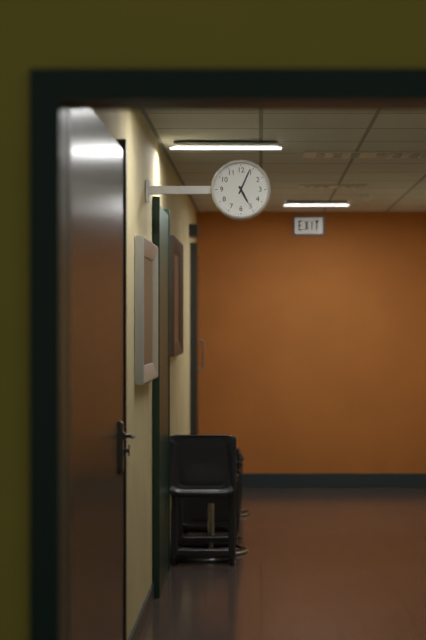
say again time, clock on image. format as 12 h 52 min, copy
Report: 5 h 04 min
